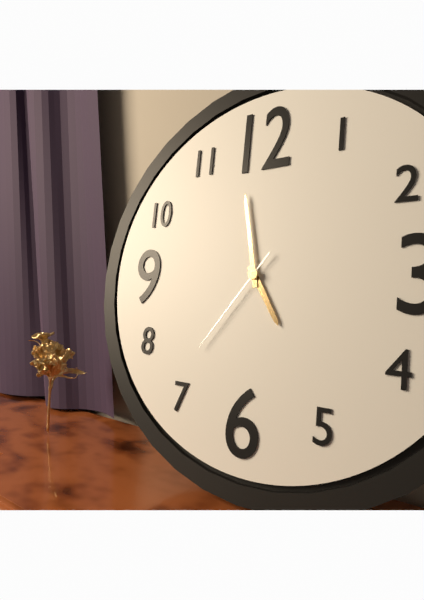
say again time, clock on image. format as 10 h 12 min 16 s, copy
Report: 4 h 58 min 36 s
